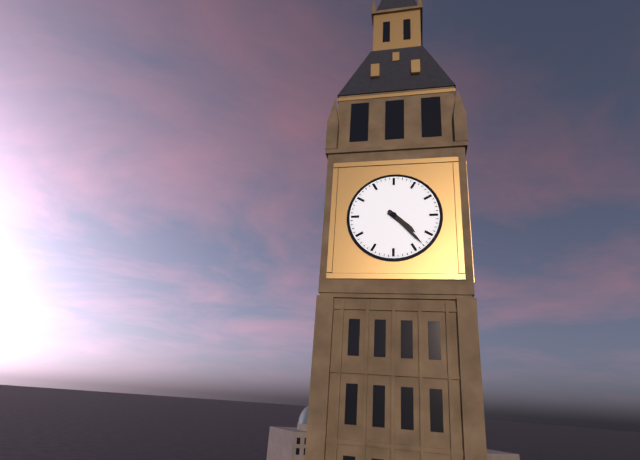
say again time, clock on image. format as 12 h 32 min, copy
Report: 4 h 23 min
